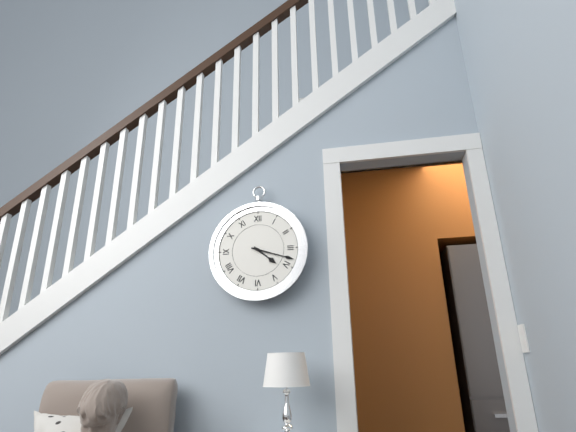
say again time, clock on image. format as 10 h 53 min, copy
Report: 4 h 18 min
